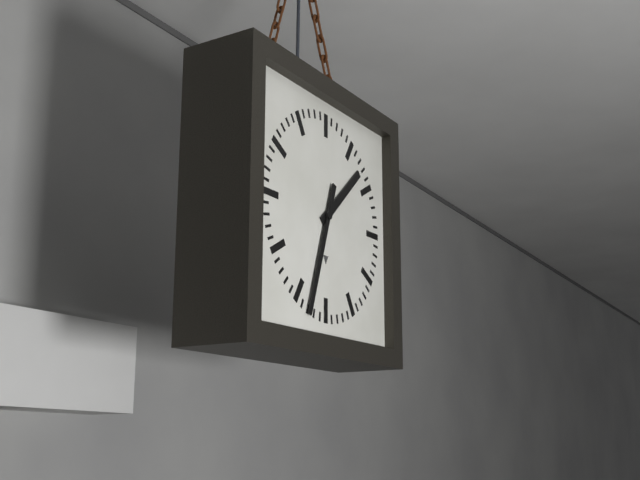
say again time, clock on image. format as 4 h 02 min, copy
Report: 1 h 33 min
